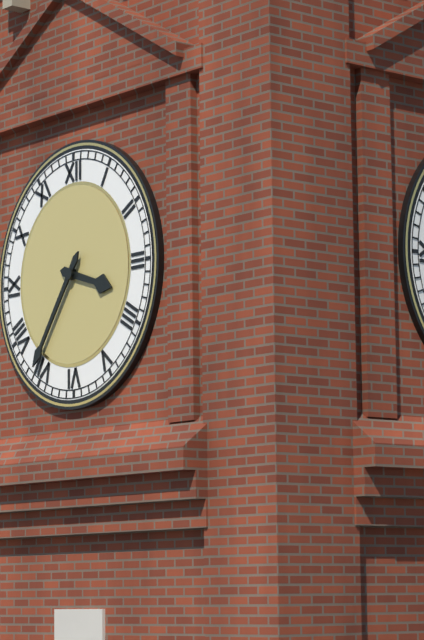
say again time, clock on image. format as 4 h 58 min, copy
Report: 3 h 36 min
